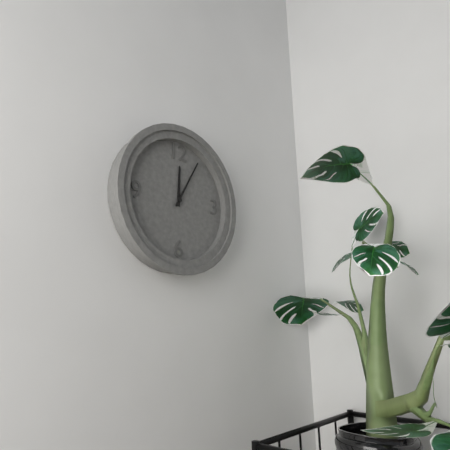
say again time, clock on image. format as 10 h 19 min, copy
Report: 12 h 05 min
